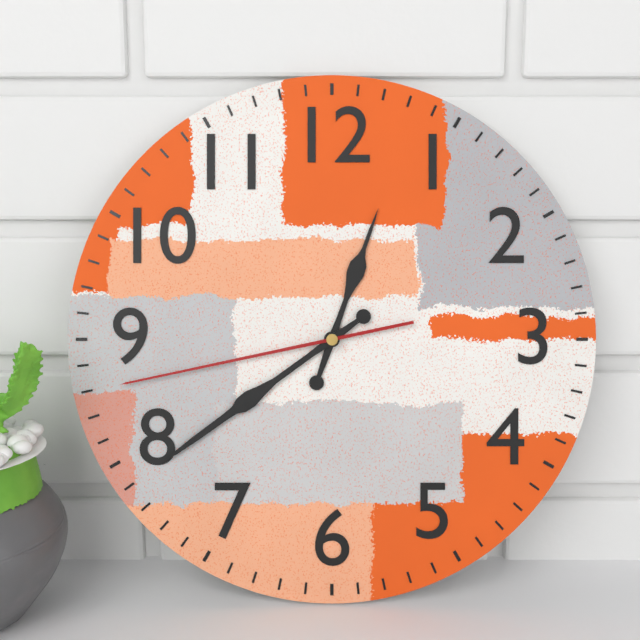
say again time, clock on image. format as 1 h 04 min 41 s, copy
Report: 12 h 39 min 43 s
